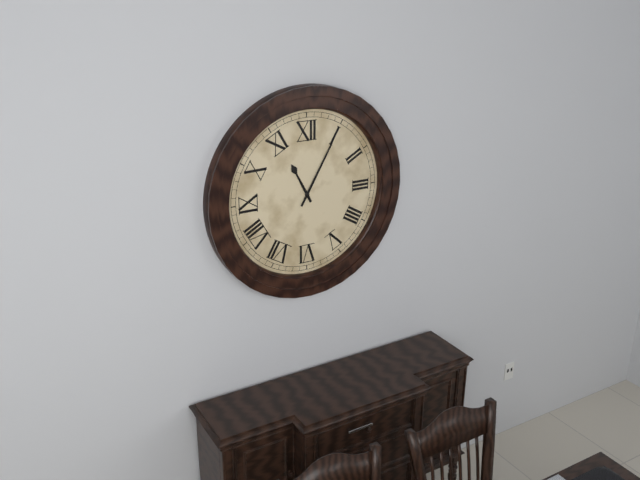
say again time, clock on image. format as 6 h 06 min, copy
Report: 11 h 05 min
